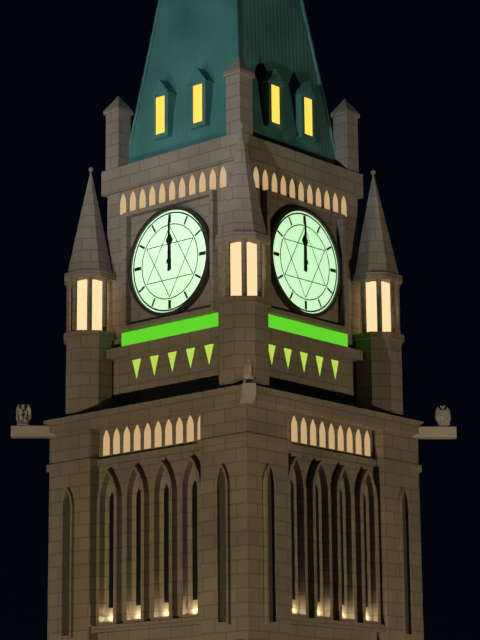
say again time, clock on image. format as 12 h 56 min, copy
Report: 12 h 00 min
